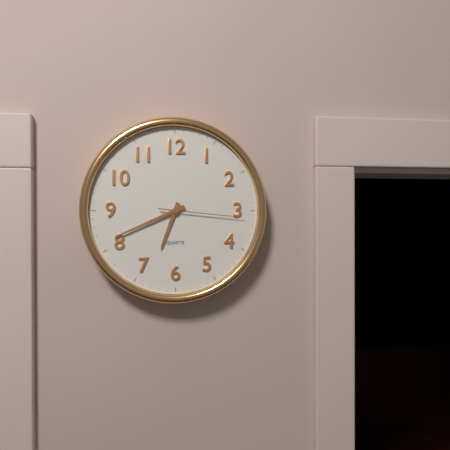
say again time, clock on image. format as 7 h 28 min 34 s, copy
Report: 6 h 41 min 16 s
